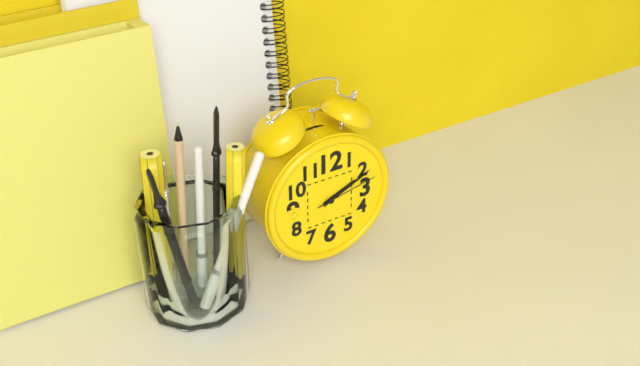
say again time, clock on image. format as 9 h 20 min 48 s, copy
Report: 2 h 11 min 13 s
